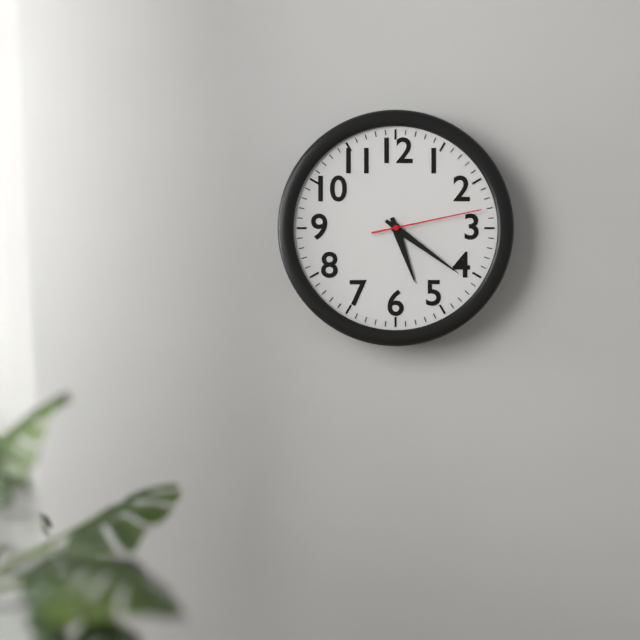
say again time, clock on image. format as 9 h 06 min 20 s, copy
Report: 5 h 21 min 13 s
